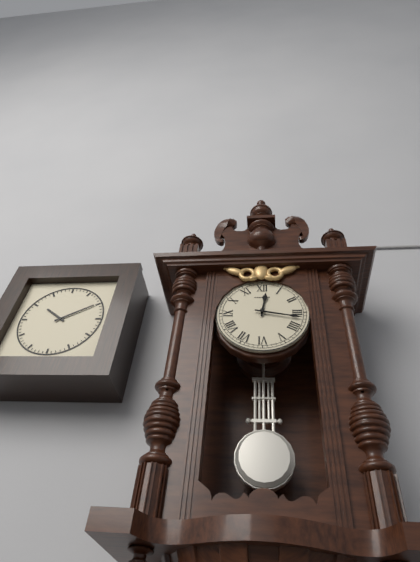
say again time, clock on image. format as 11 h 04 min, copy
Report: 12 h 17 min
